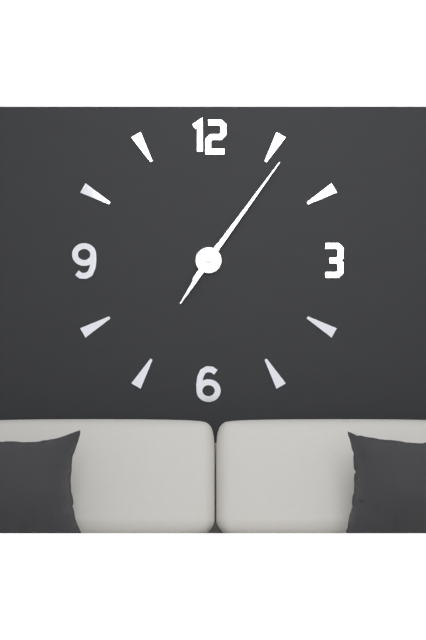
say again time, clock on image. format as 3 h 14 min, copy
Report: 7 h 06 min
